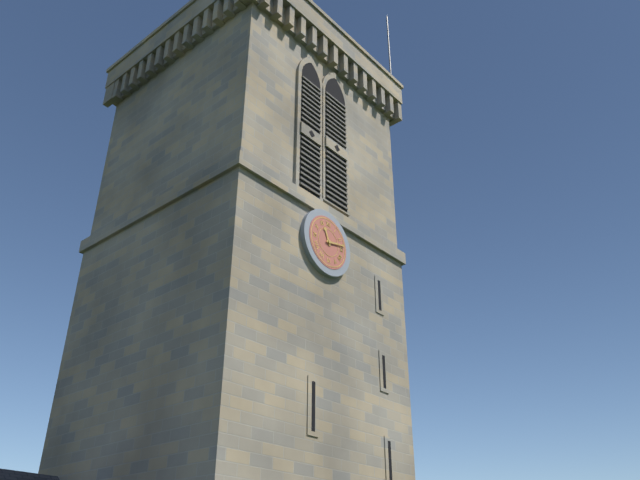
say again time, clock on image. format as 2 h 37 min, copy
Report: 11 h 13 min
